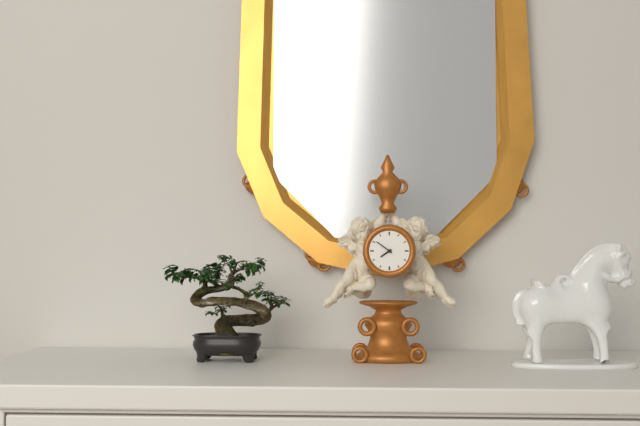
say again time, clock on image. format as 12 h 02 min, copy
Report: 7 h 51 min
